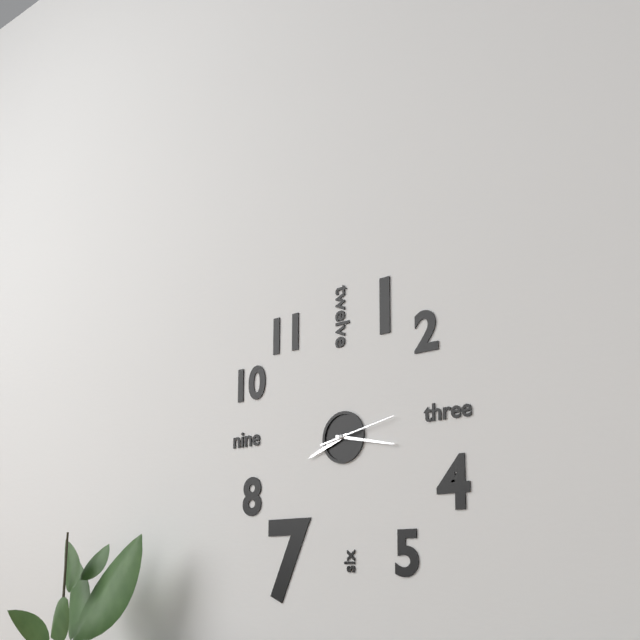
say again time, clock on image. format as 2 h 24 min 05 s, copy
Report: 8 h 17 min 13 s
